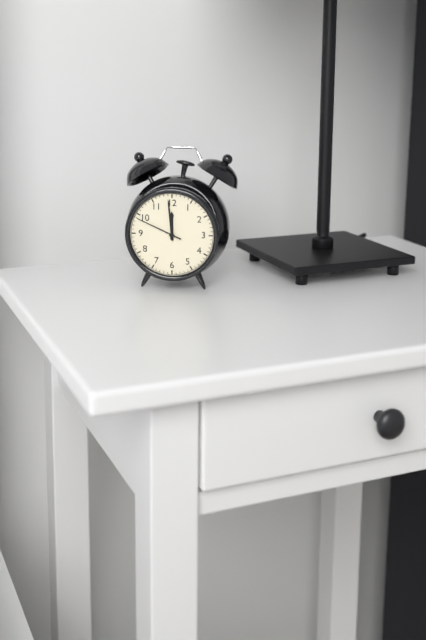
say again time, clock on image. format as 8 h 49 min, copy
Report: 11 h 59 min
